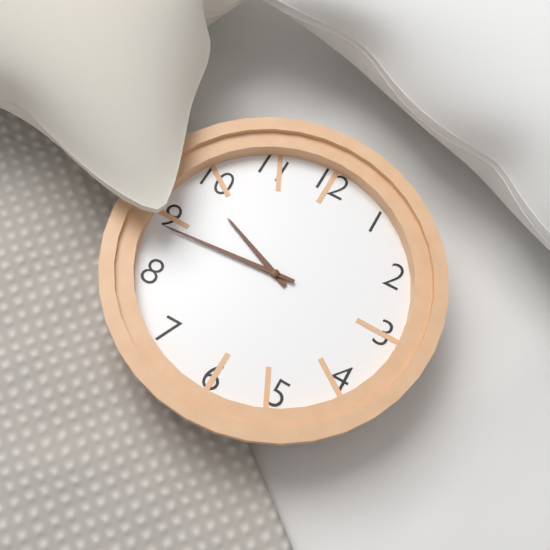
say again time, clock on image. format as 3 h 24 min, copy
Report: 9 h 44 min
